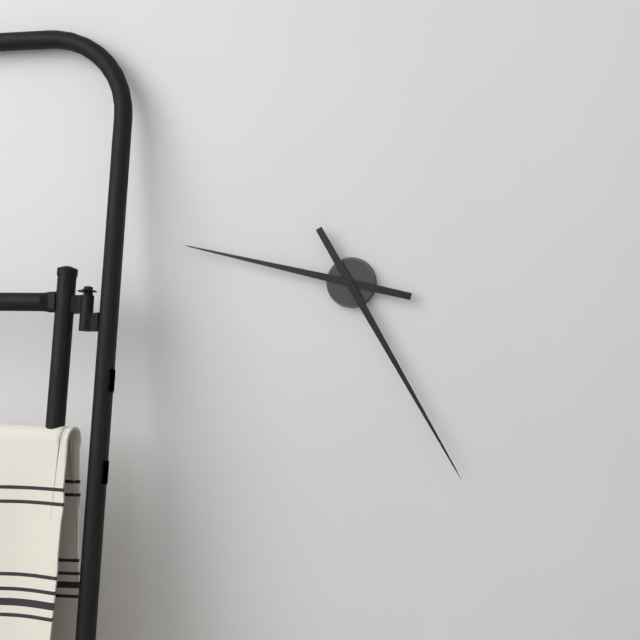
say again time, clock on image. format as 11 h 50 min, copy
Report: 9 h 25 min
